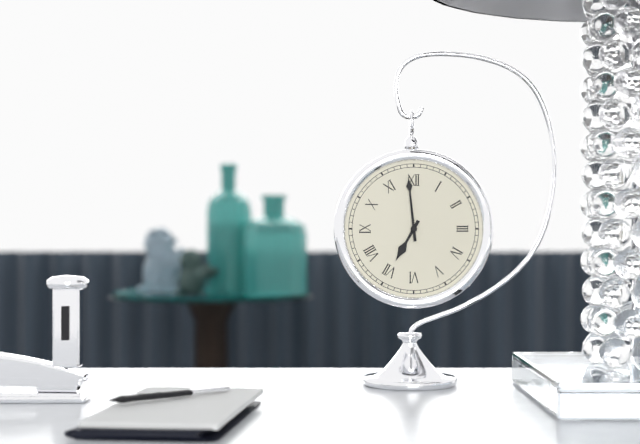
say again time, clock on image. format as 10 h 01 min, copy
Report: 6 h 59 min
